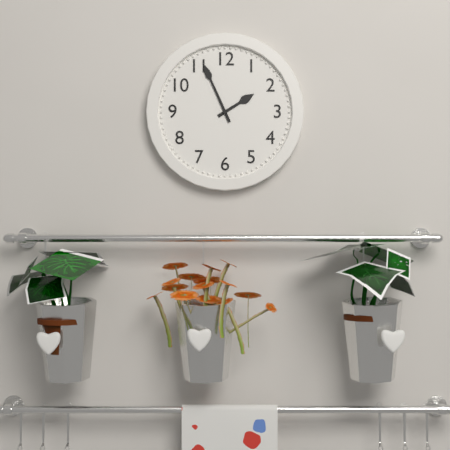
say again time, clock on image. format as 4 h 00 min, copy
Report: 1 h 56 min
